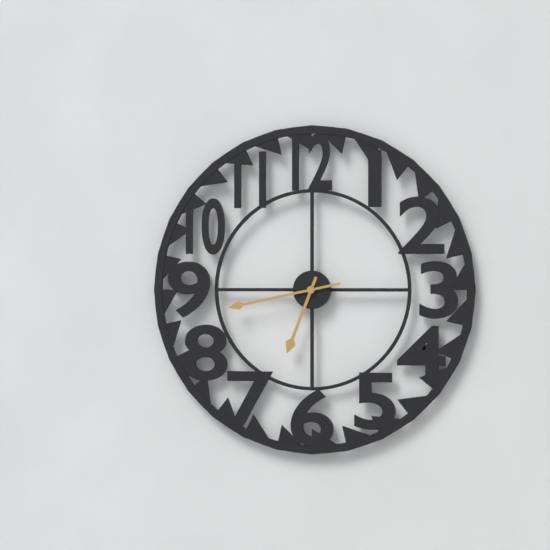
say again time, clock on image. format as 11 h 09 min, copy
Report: 6 h 43 min
